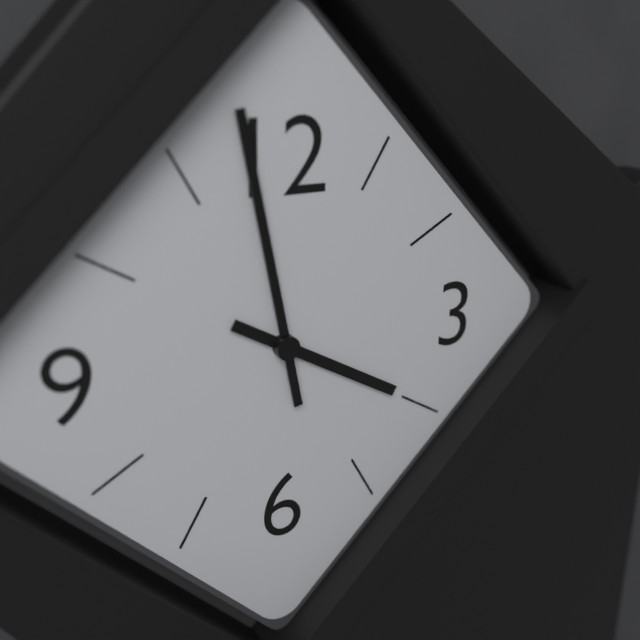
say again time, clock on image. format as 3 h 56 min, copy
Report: 3 h 58 min
